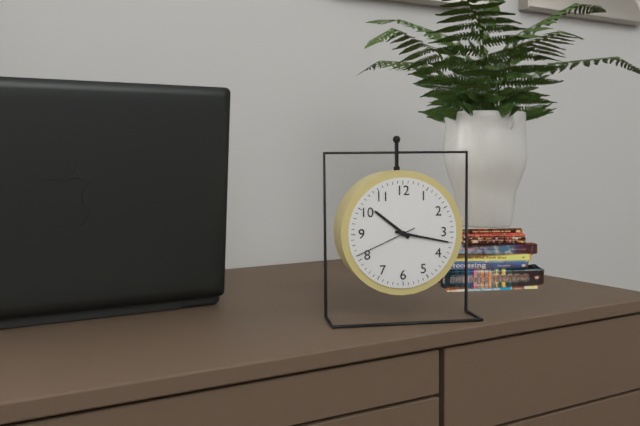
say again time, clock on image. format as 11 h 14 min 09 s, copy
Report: 10 h 17 min 41 s
